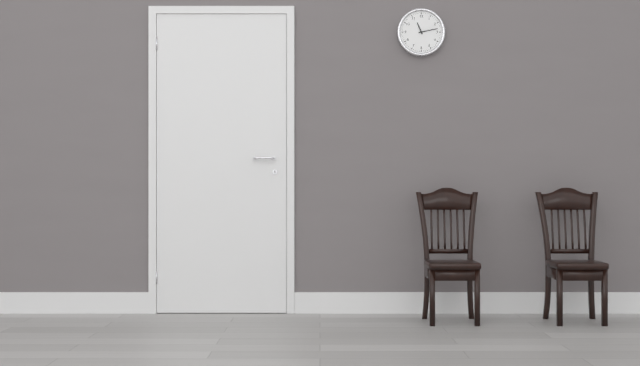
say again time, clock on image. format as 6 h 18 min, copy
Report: 11 h 13 min
